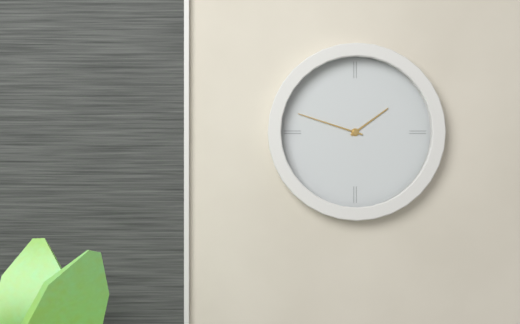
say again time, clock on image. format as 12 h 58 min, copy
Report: 1 h 48 min
